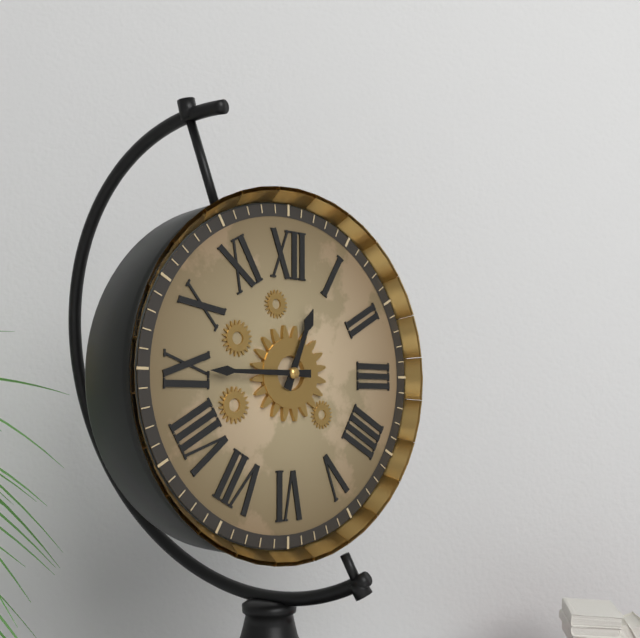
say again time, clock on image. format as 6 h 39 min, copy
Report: 12 h 45 min
